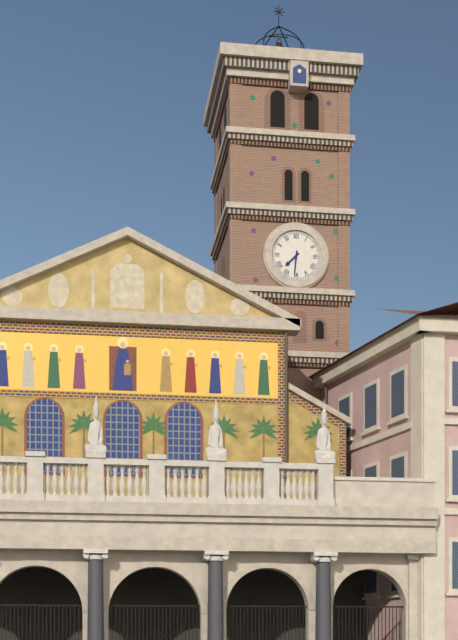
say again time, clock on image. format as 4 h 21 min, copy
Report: 7 h 31 min
